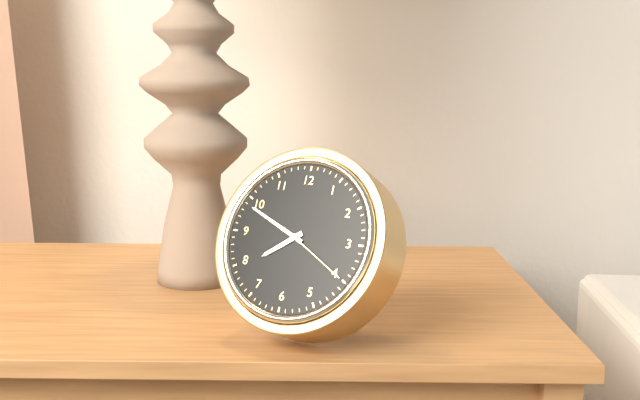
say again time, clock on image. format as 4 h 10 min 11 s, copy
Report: 7 h 49 min 20 s
